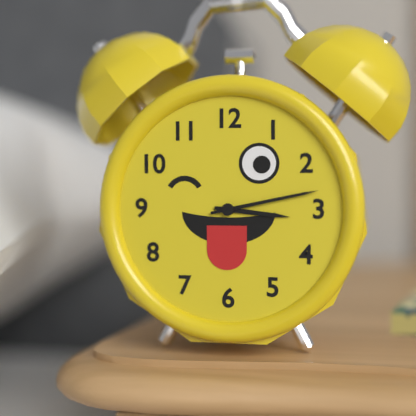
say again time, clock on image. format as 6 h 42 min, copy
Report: 3 h 13 min
